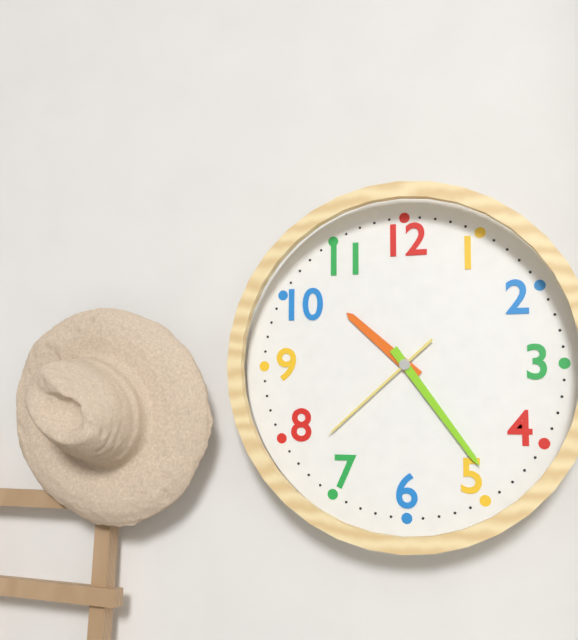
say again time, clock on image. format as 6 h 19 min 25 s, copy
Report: 10 h 24 min 38 s
